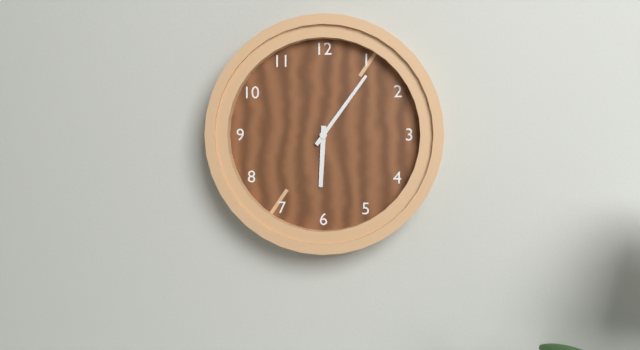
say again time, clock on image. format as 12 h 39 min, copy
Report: 6 h 06 min
